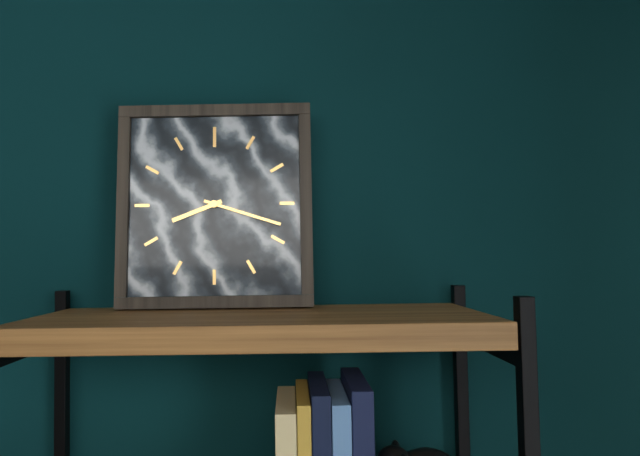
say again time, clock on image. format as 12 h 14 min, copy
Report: 8 h 18 min
